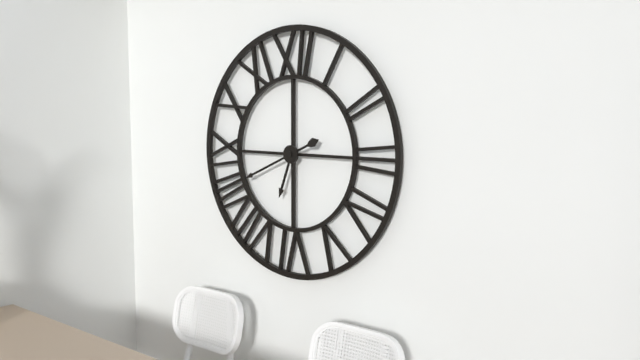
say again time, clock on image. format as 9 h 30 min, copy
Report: 6 h 41 min
